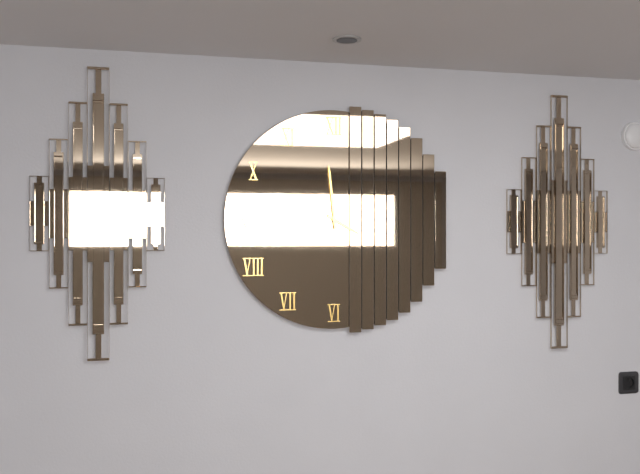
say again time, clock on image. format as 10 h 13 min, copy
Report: 3 h 59 min
